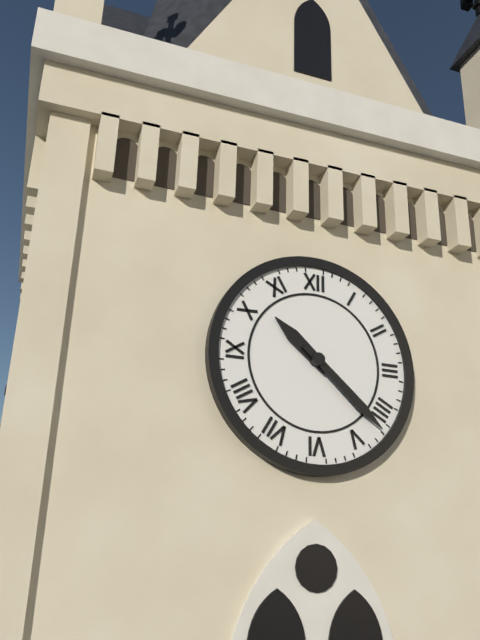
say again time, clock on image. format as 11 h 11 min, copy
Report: 10 h 22 min
